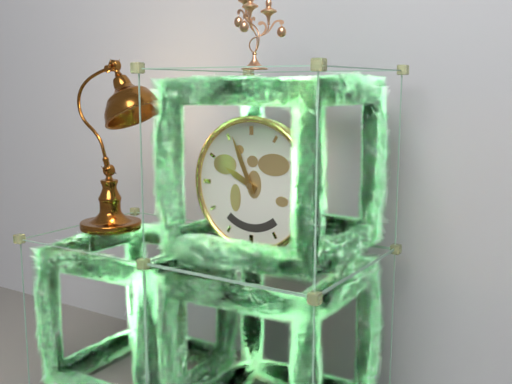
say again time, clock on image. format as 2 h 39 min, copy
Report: 9 h 56 min
